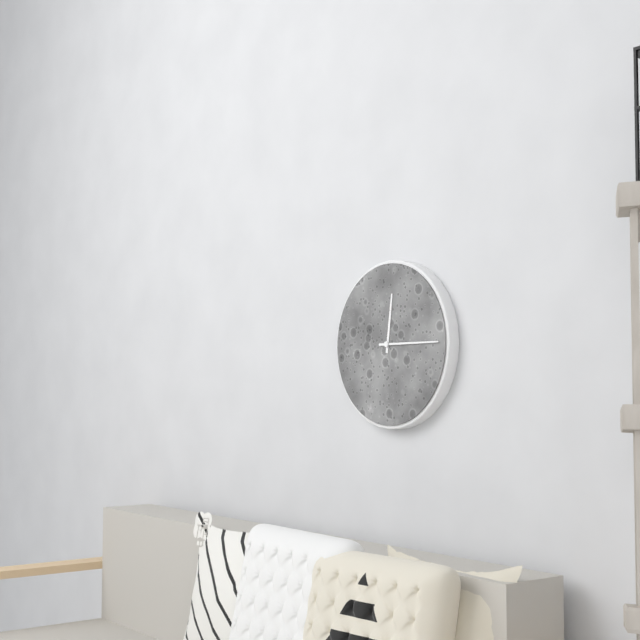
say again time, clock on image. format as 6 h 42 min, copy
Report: 12 h 15 min
